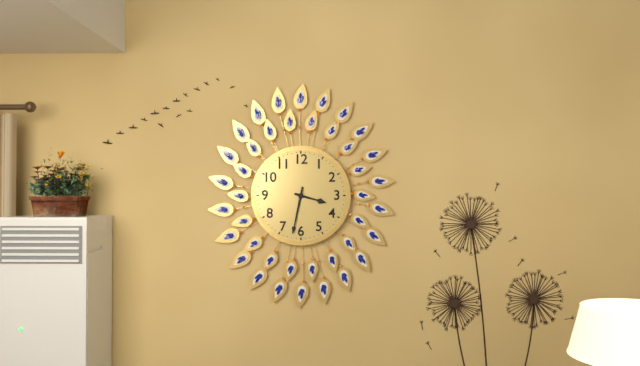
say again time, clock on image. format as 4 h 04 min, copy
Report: 3 h 32 min
